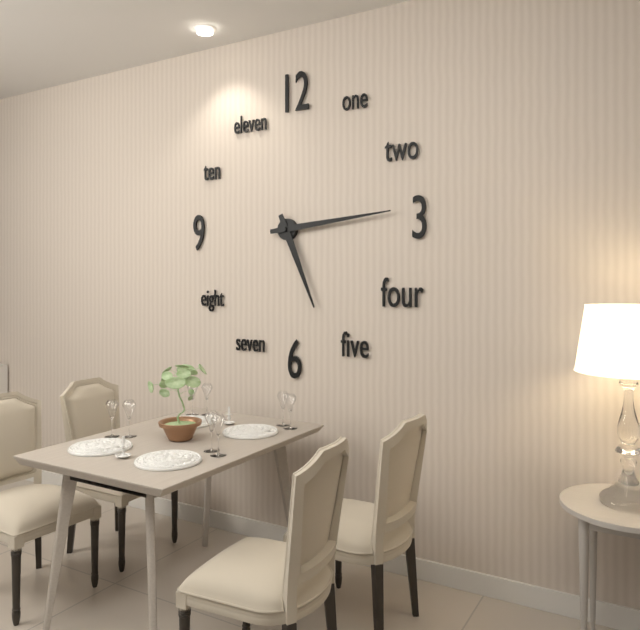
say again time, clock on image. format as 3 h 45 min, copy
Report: 5 h 14 min
